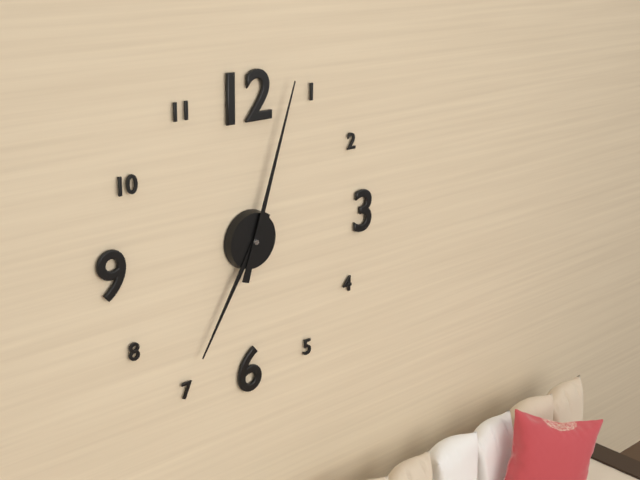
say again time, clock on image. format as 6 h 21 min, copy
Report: 7 h 03 min
